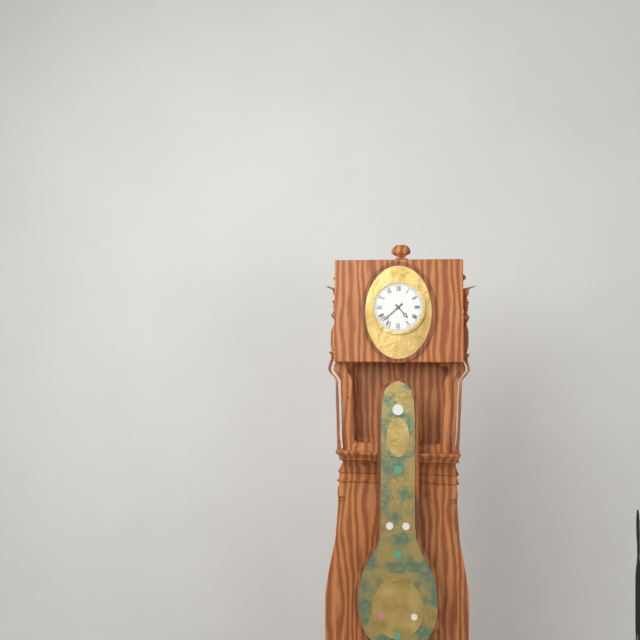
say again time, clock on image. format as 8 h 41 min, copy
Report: 4 h 38 min
